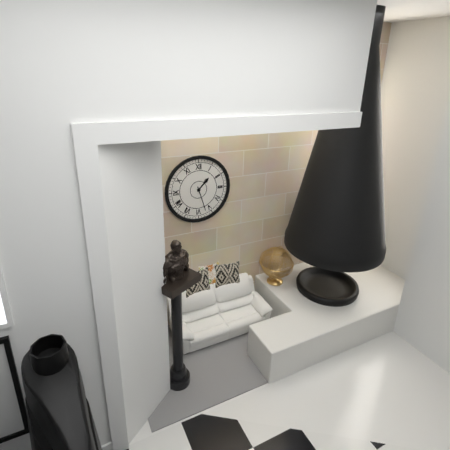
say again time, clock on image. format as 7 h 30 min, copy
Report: 1 h 27 min
